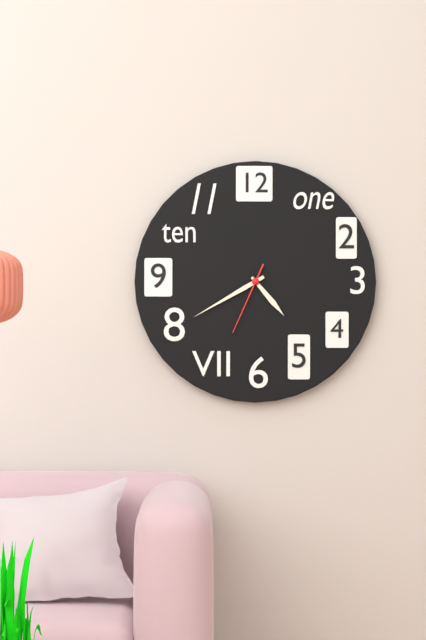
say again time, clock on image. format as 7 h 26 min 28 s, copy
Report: 4 h 40 min 34 s
